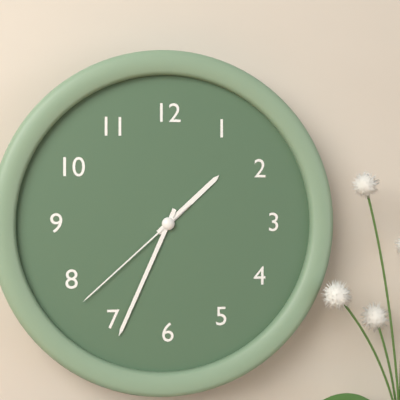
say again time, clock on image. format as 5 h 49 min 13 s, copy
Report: 1 h 34 min 38 s
